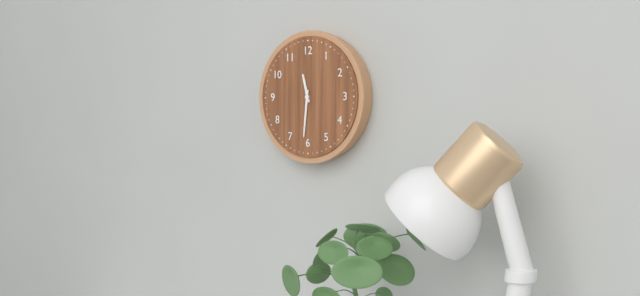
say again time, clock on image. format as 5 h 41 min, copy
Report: 11 h 31 min
